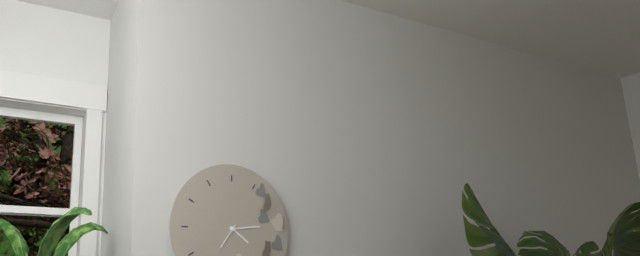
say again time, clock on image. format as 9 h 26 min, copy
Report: 4 h 14 min
